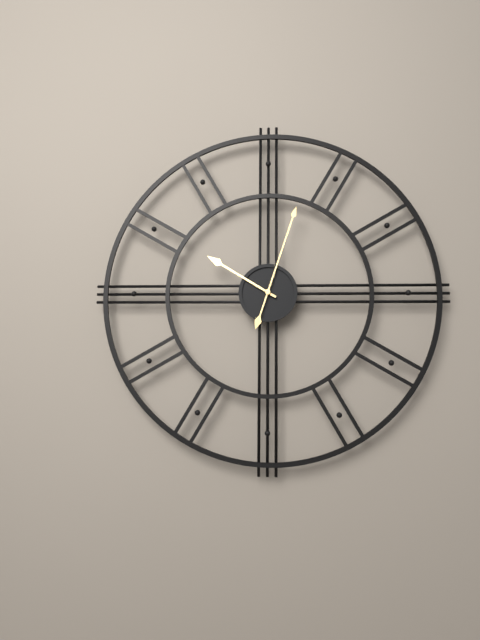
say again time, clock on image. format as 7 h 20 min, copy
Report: 10 h 03 min
